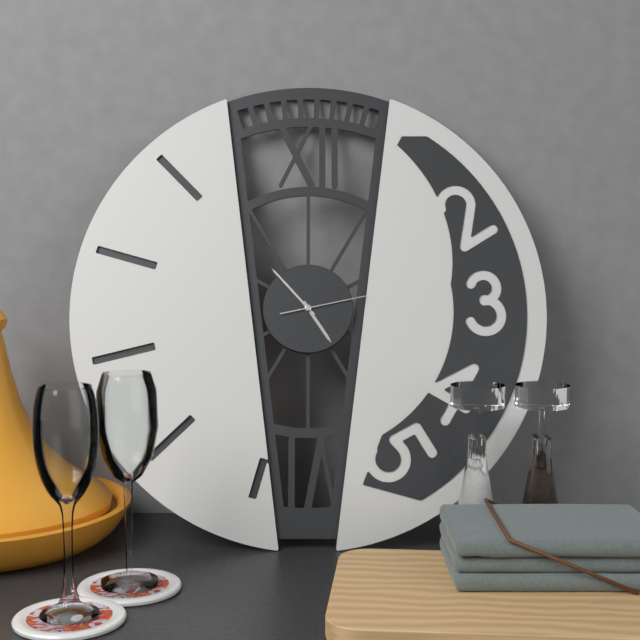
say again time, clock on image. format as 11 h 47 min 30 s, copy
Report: 4 h 53 min 13 s
